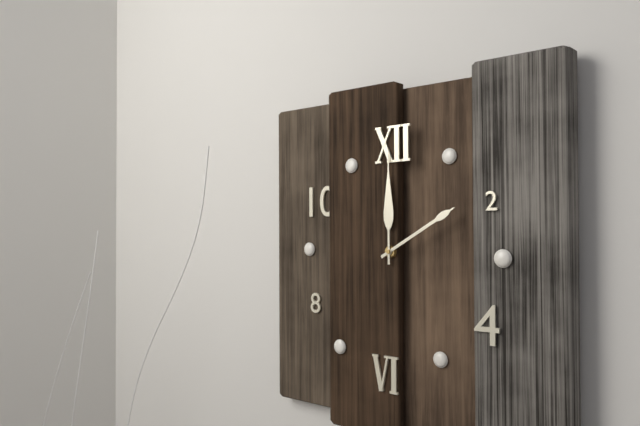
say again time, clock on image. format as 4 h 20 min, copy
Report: 2 h 00 min
